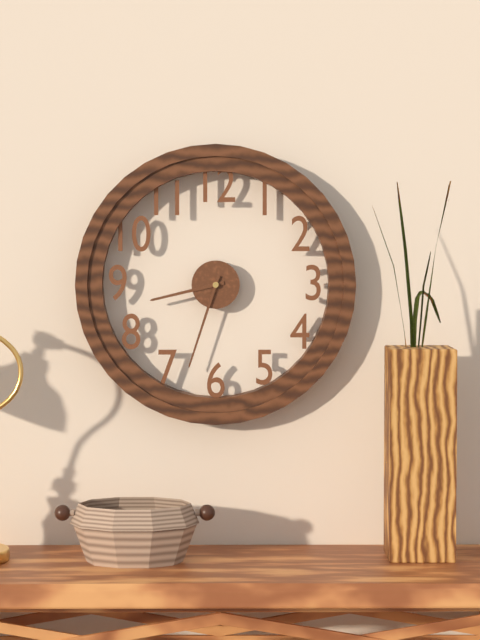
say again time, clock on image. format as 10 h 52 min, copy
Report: 8 h 33 min
